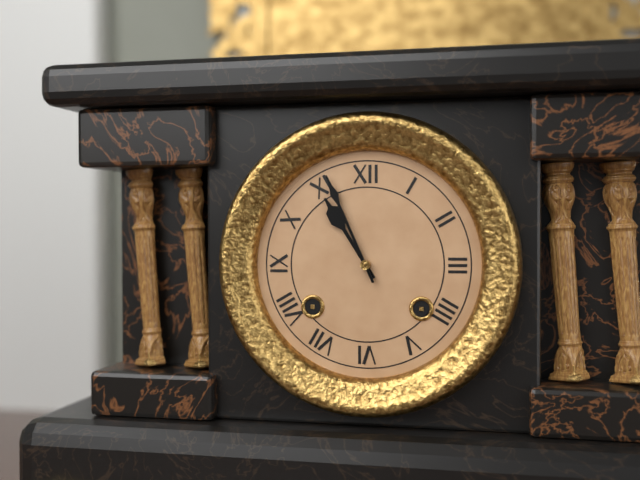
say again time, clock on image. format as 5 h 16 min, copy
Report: 10 h 56 min
